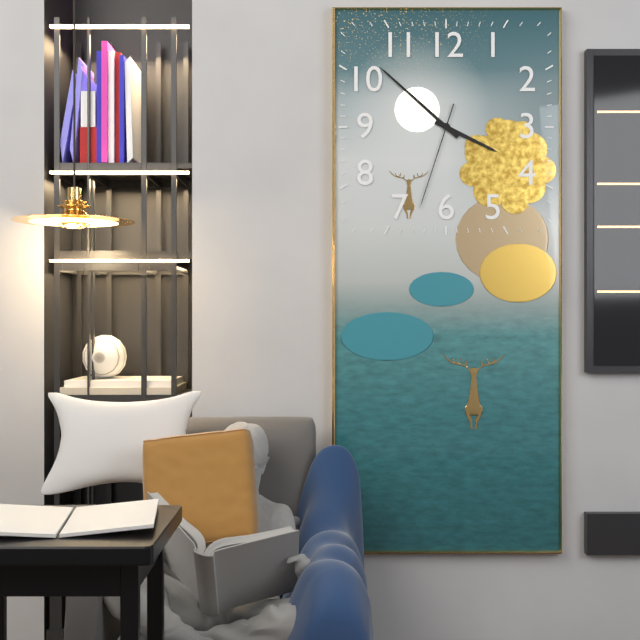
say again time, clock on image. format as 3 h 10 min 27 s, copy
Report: 3 h 52 min 33 s
